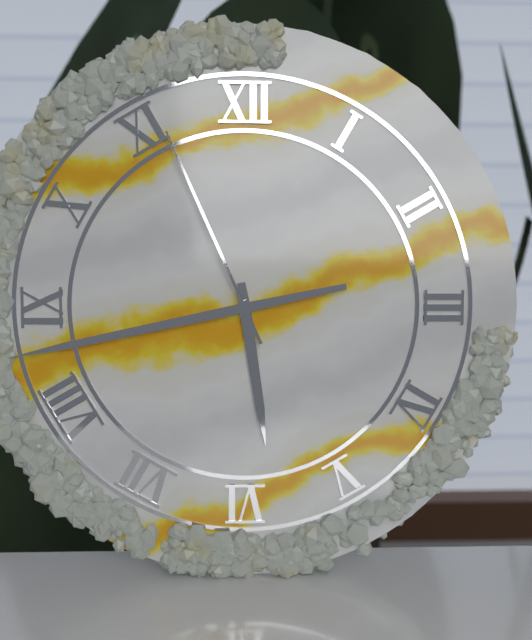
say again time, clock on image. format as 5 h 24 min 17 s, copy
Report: 5 h 43 min 56 s
